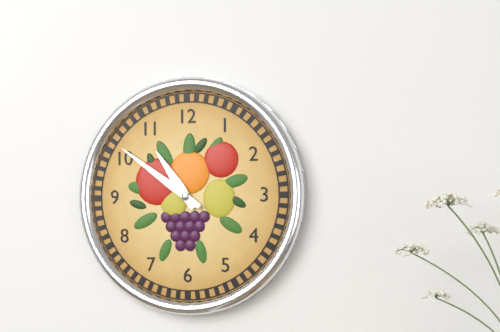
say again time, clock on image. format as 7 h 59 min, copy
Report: 10 h 51 min
